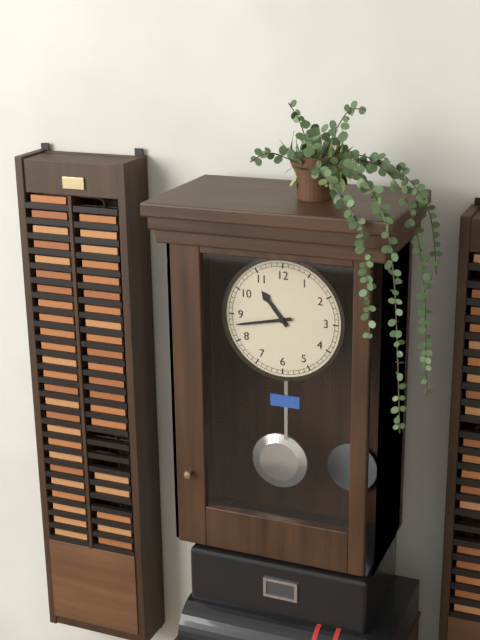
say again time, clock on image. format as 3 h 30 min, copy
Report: 10 h 43 min
